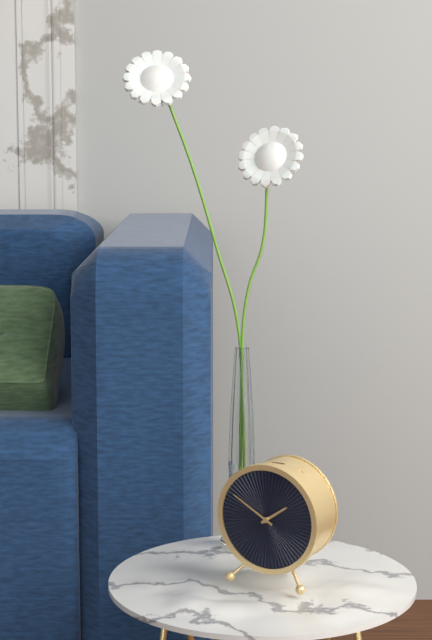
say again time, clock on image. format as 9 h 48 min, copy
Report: 1 h 50 min
